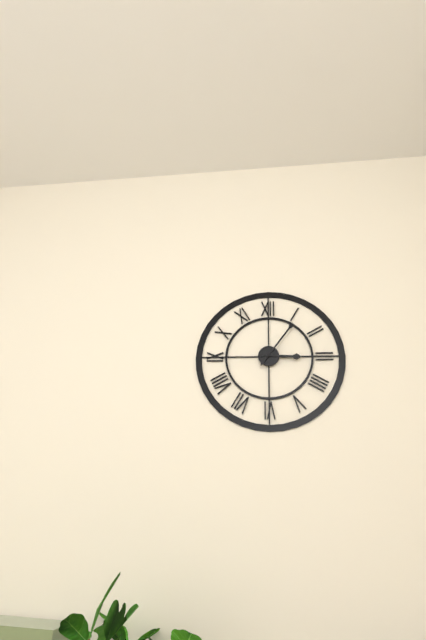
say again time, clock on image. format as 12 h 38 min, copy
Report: 3 h 06 min
